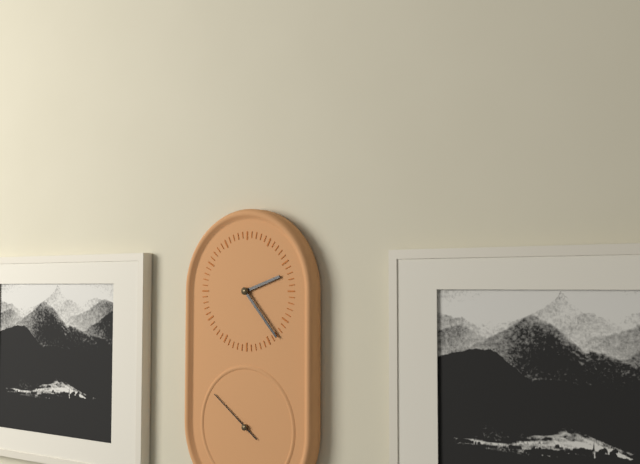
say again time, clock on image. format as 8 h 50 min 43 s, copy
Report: 2 h 23 min 51 s
